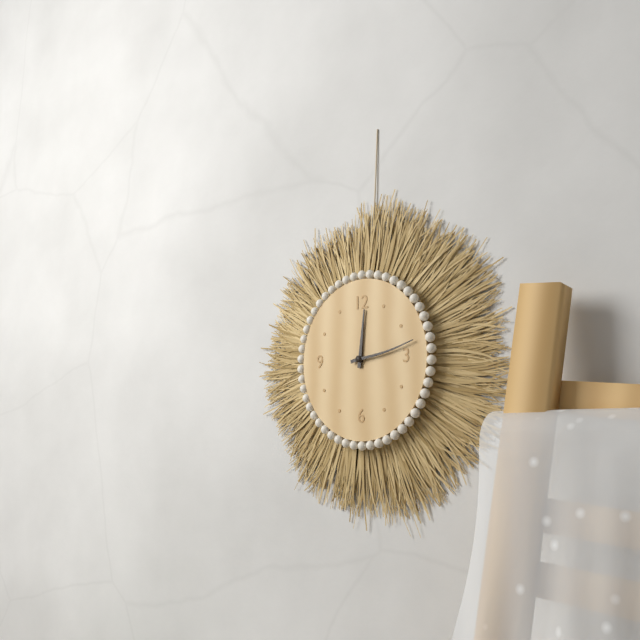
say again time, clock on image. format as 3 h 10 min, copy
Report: 12 h 13 min
